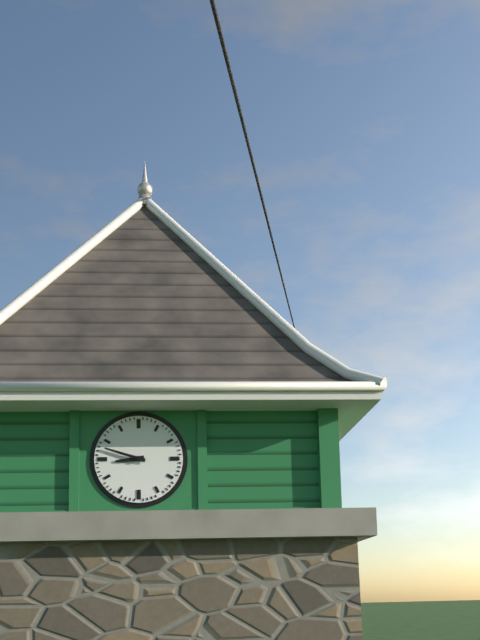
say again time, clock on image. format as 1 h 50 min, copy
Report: 8 h 48 min
